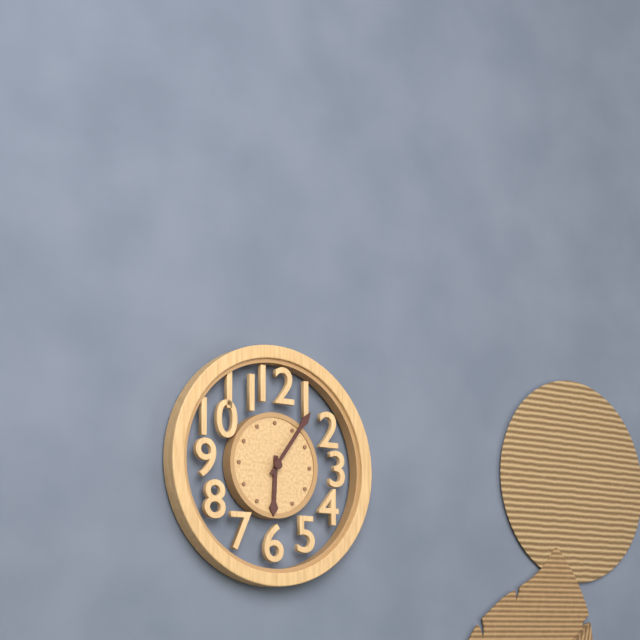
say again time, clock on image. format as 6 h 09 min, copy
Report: 6 h 06 min
